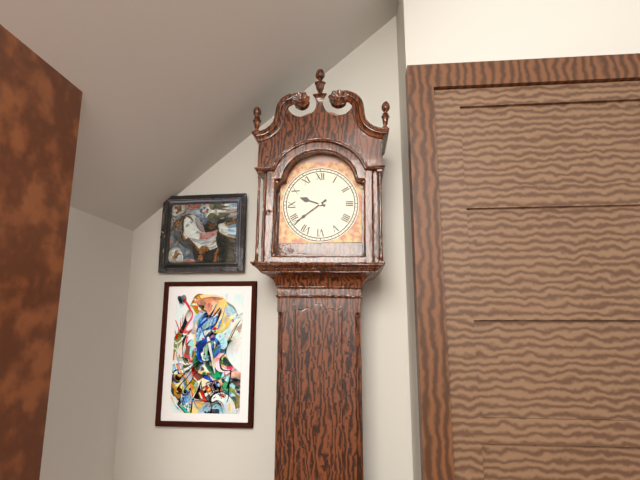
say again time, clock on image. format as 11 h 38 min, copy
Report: 9 h 39 min
